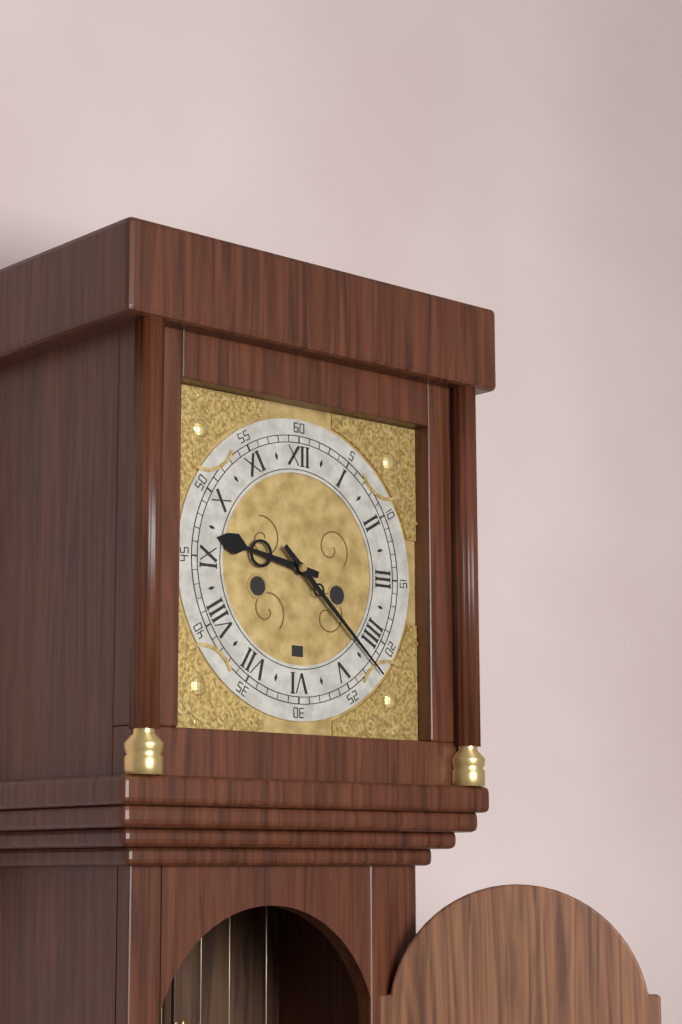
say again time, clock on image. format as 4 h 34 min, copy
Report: 9 h 22 min
